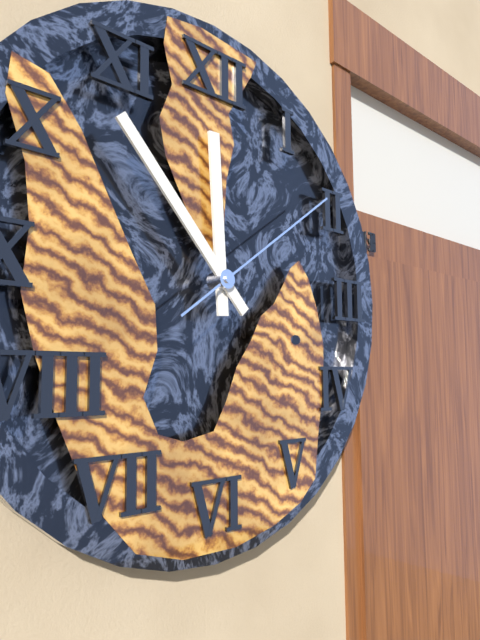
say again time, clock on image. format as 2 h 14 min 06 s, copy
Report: 11 h 53 min 09 s
